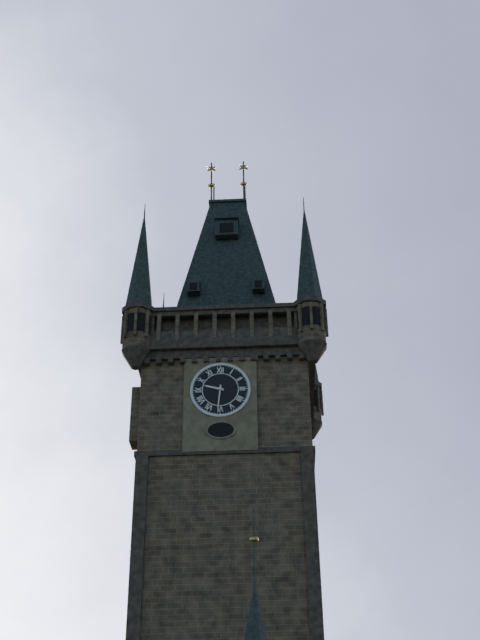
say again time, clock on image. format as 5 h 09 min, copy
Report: 9 h 31 min
